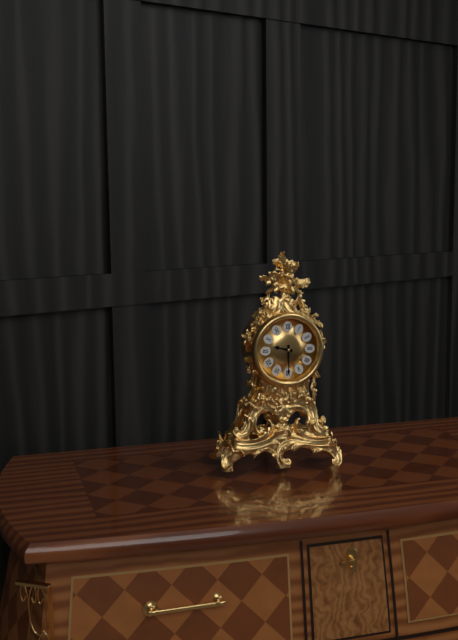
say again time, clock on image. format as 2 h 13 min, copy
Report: 9 h 30 min
